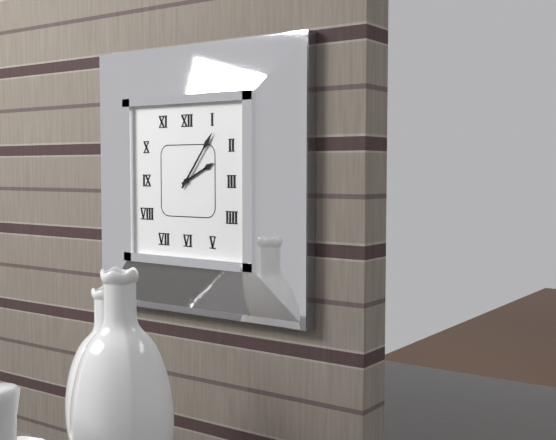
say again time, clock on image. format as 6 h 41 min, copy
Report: 2 h 06 min
